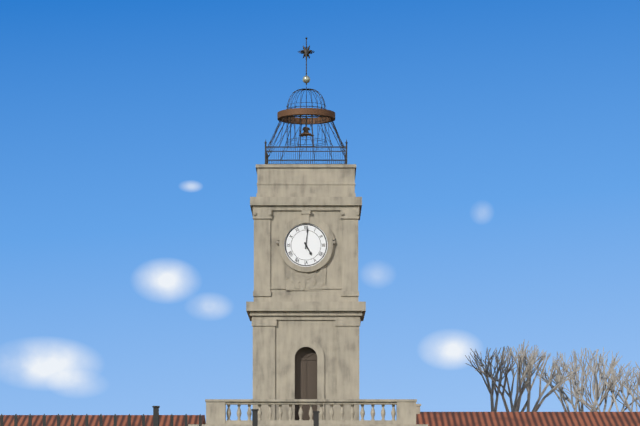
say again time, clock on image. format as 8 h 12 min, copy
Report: 5 h 01 min
